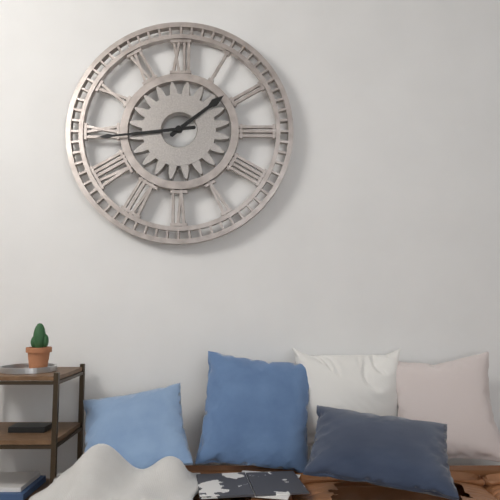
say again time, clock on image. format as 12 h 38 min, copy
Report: 1 h 44 min
